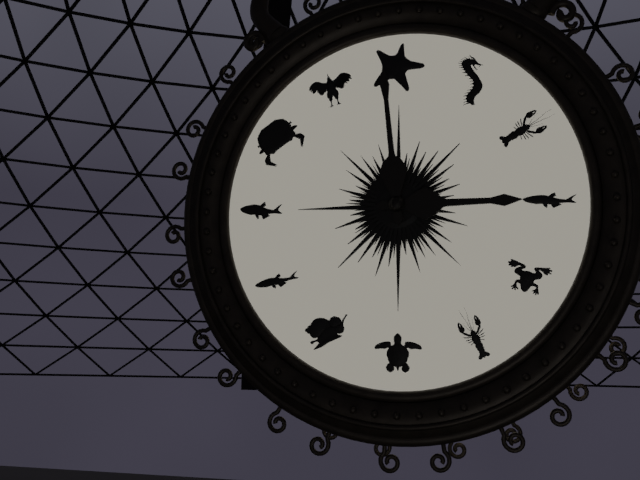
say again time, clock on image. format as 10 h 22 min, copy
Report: 2 h 59 min
